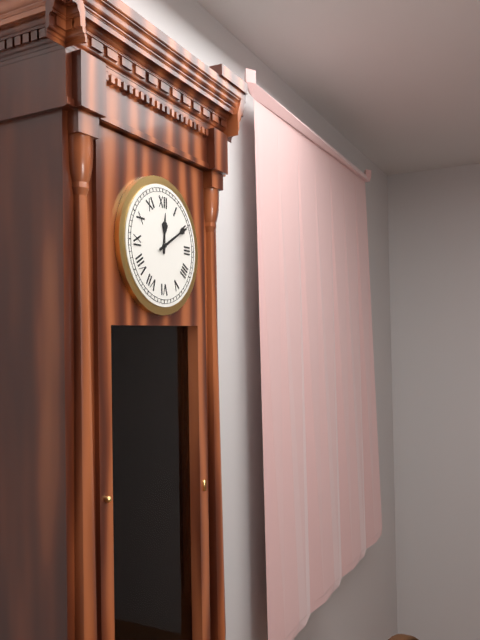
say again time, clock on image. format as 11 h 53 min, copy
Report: 12 h 10 min
